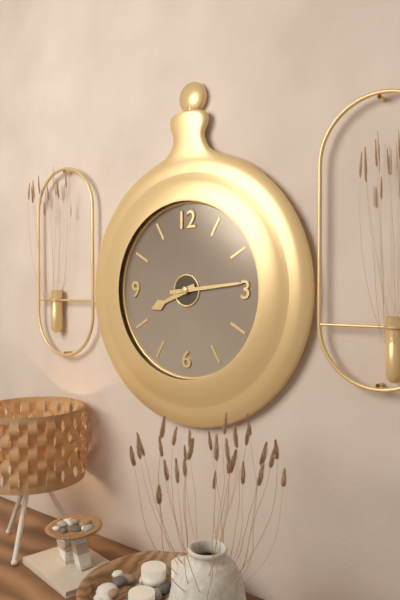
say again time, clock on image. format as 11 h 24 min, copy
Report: 8 h 14 min
